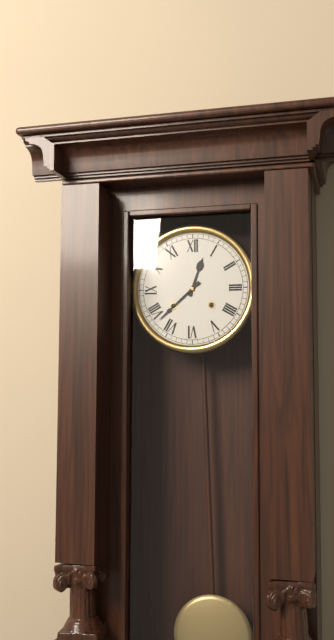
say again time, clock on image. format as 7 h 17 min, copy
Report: 12 h 38 min
